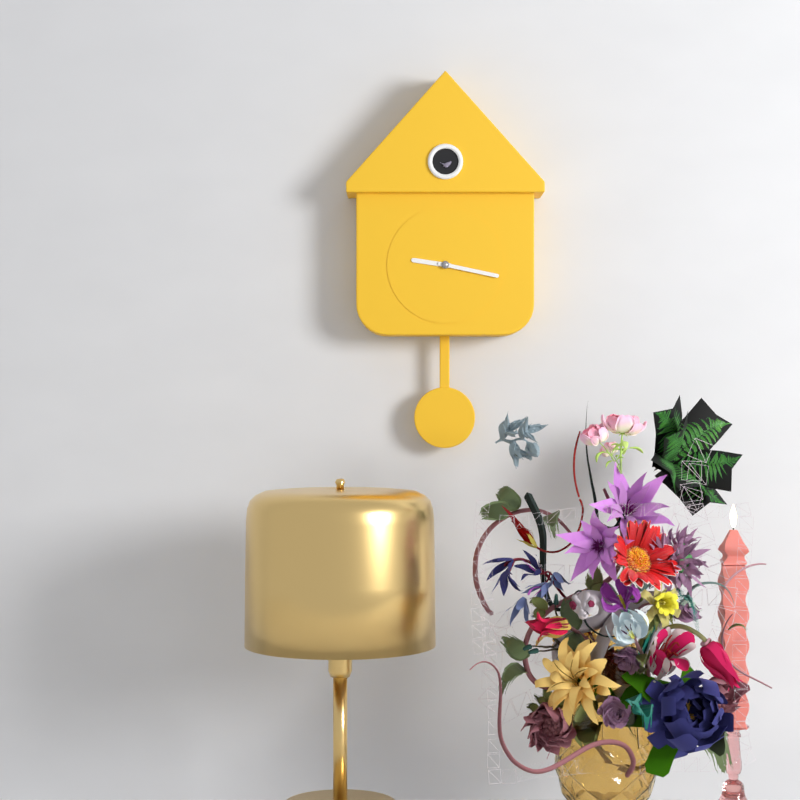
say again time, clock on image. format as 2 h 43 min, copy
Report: 9 h 17 min
